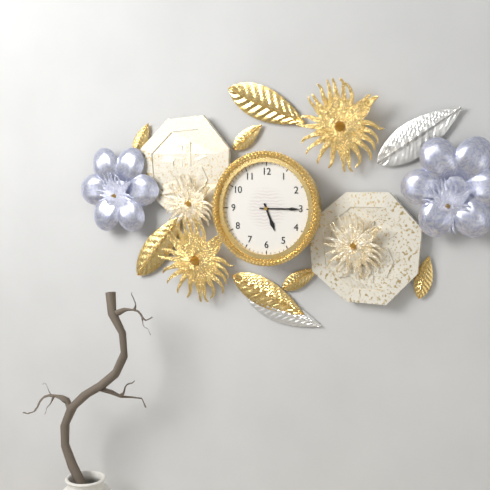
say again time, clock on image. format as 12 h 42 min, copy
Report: 5 h 15 min
